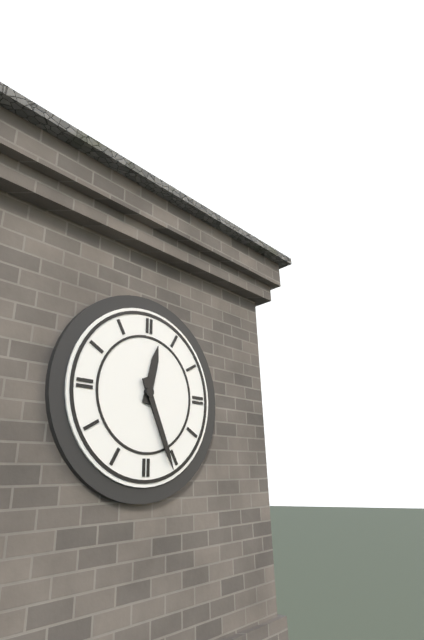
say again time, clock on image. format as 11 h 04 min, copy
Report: 12 h 26 min
